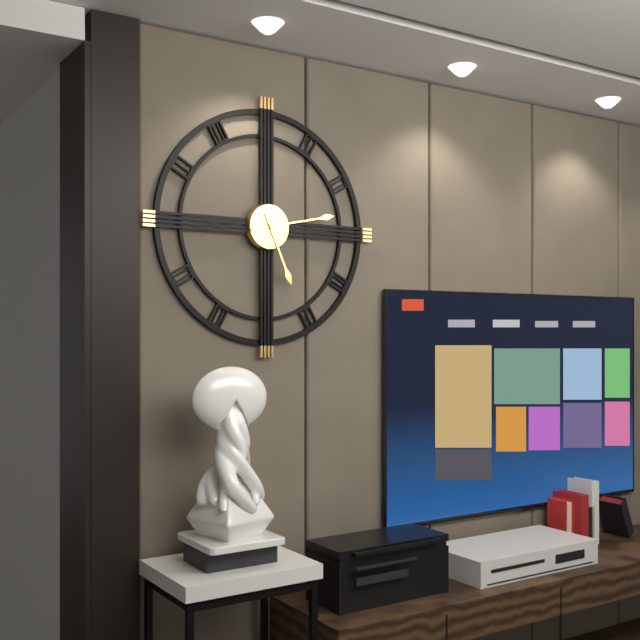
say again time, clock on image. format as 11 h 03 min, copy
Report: 5 h 13 min
